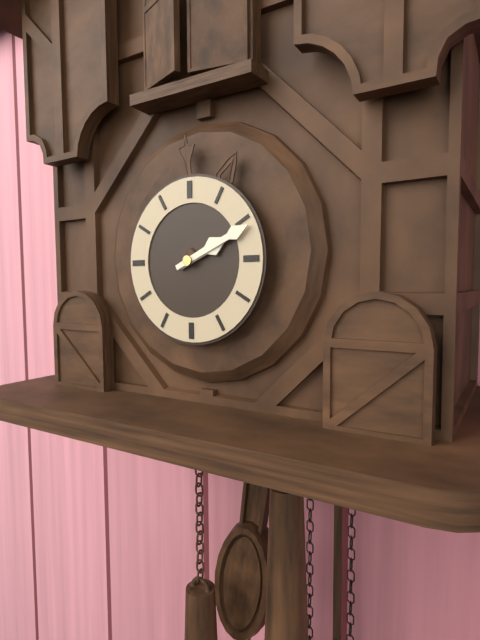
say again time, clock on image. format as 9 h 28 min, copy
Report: 2 h 11 min
